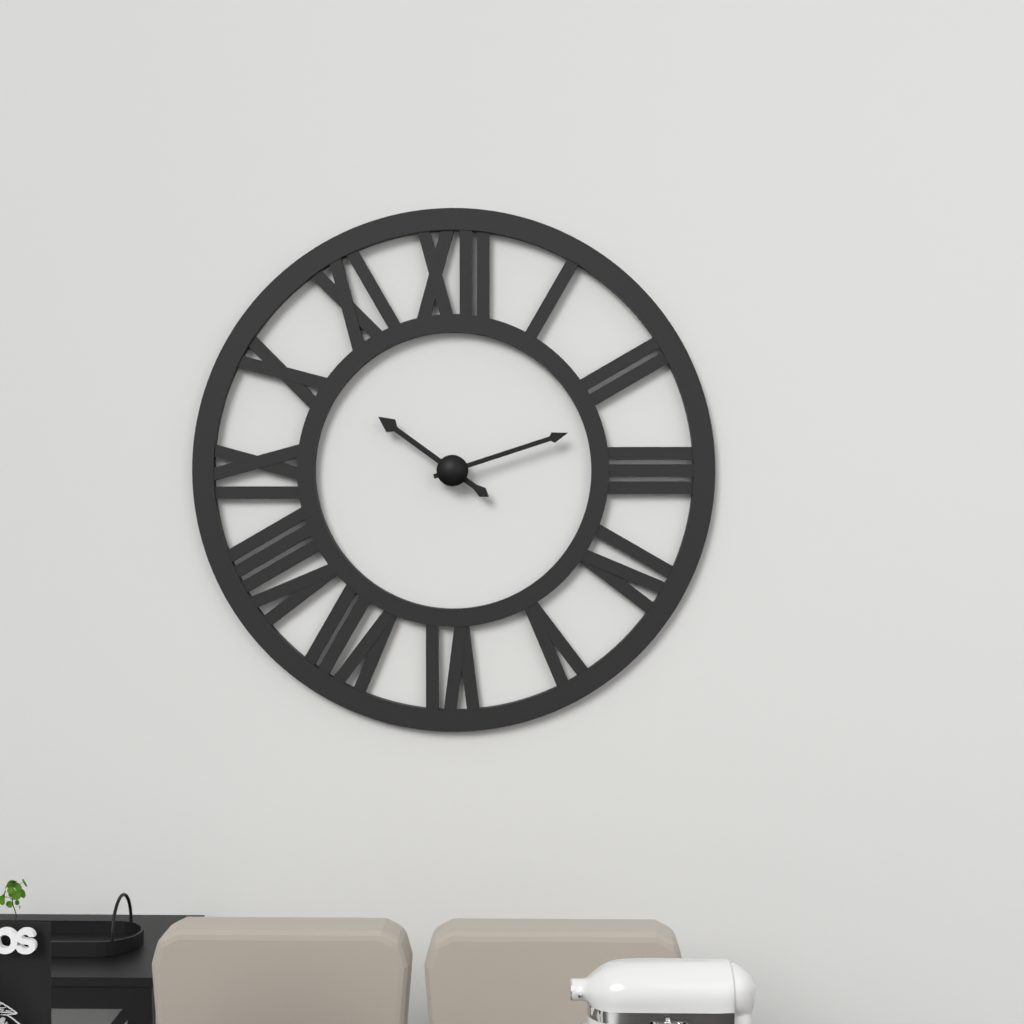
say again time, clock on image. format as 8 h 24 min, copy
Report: 10 h 12 min
